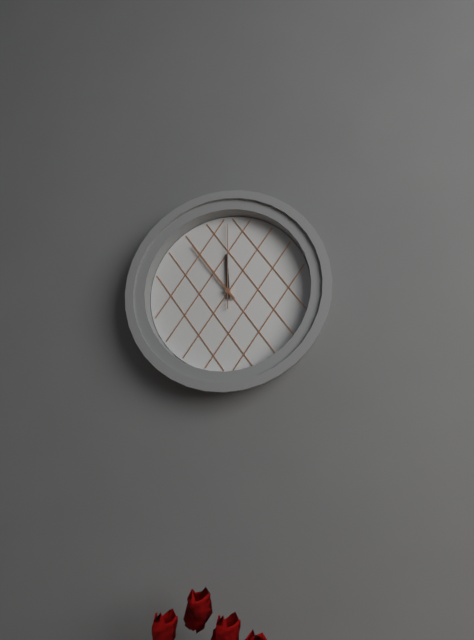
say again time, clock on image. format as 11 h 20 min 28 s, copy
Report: 11 h 54 min 00 s
